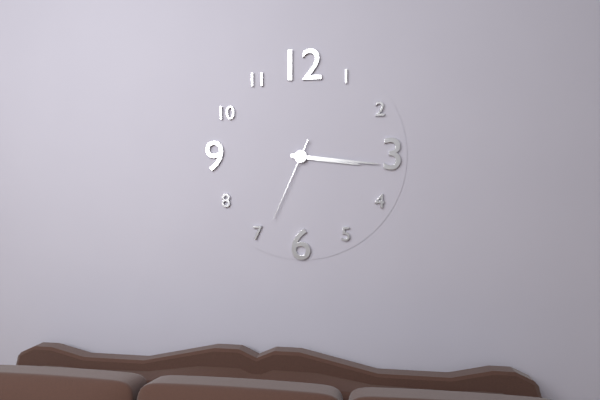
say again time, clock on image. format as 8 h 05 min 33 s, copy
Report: 3 h 16 min 34 s
